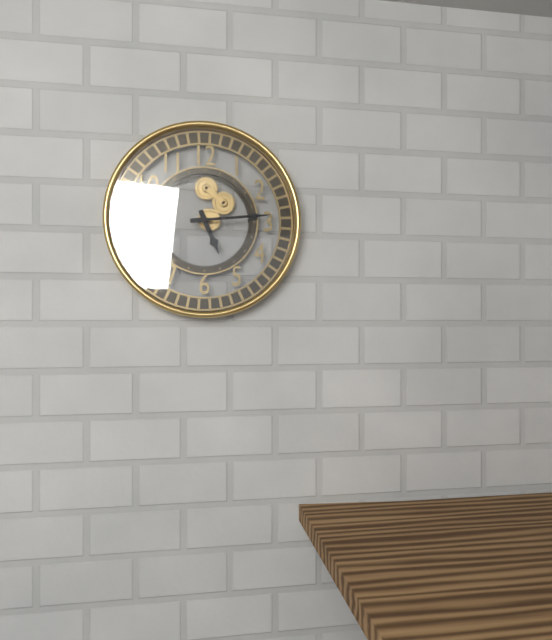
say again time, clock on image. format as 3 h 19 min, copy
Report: 5 h 14 min
